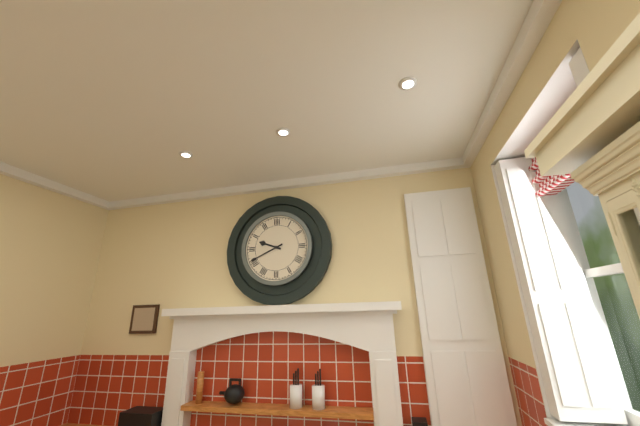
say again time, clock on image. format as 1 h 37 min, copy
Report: 9 h 41 min
